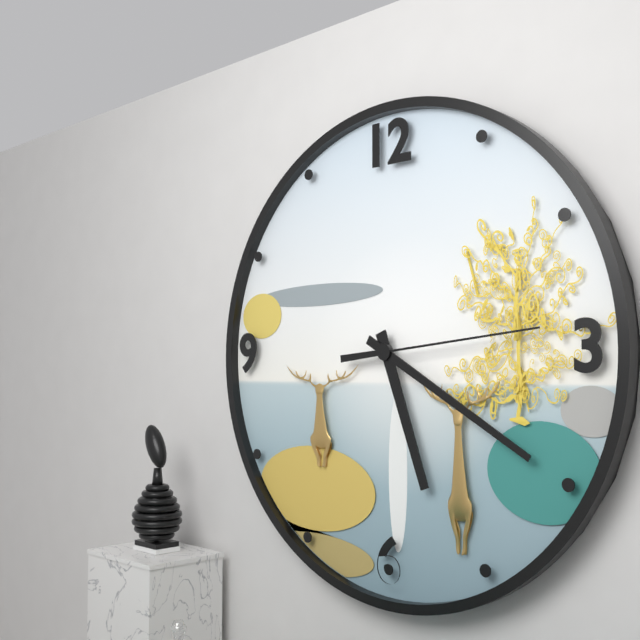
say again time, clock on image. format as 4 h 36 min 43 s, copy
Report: 5 h 20 min 14 s
